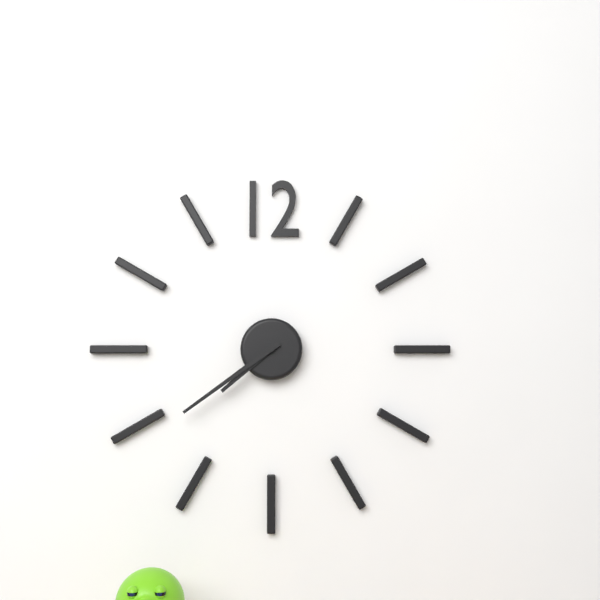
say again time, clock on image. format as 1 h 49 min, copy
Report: 7 h 39 min
